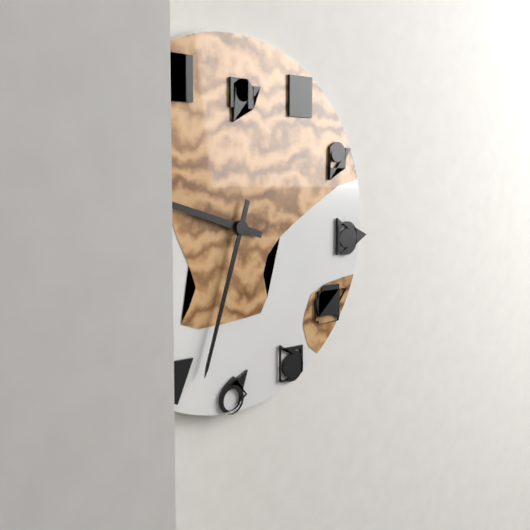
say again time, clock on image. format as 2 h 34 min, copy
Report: 9 h 33 min
